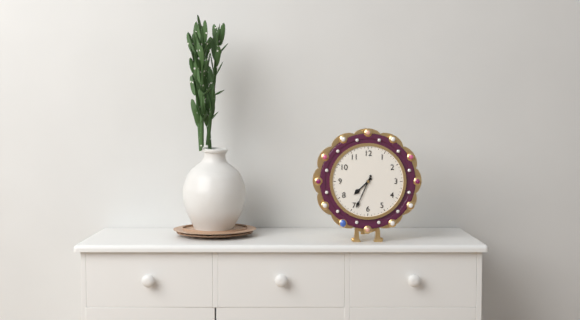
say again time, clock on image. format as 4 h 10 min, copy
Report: 7 h 34 min
